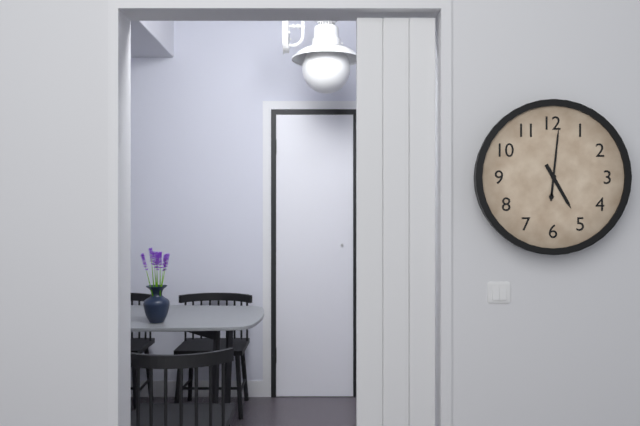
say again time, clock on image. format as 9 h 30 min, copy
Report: 5 h 01 min
